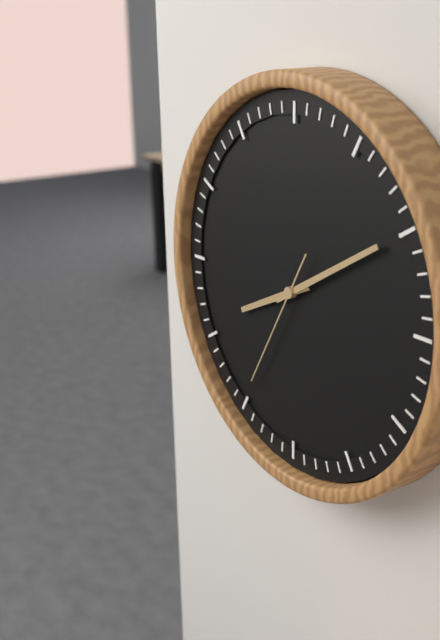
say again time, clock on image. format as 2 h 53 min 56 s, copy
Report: 8 h 10 min 35 s
